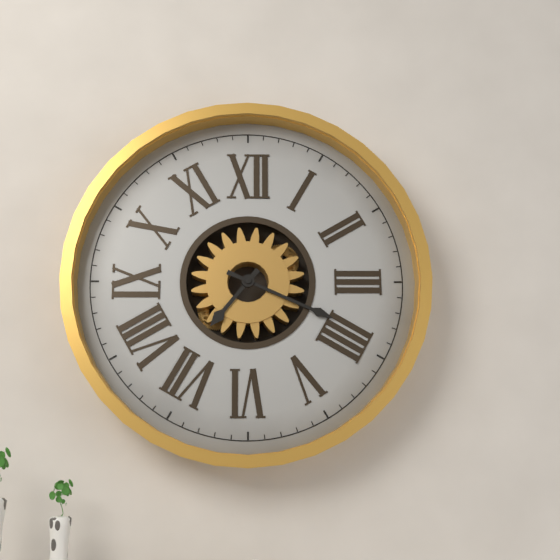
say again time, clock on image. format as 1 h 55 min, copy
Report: 7 h 19 min
